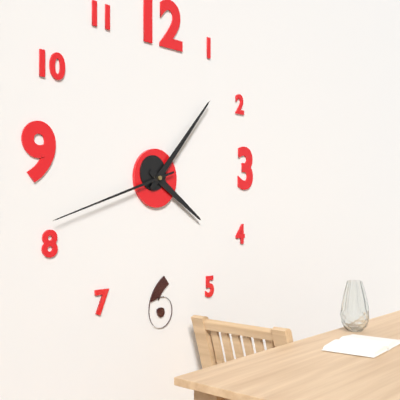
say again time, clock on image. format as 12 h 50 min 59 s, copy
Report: 4 h 07 min 42 s
